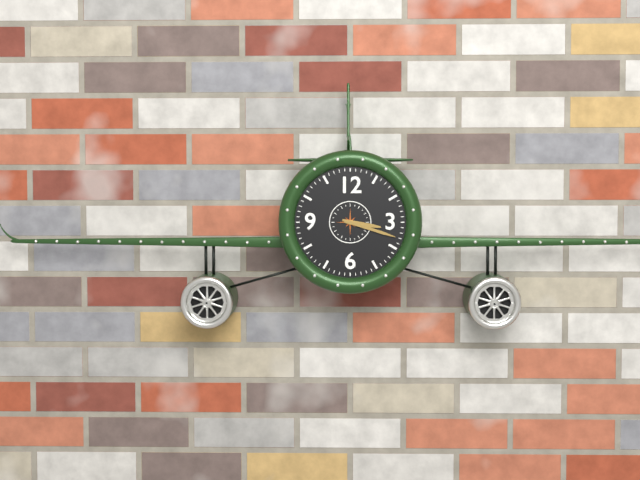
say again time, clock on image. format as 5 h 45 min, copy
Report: 3 h 18 min
